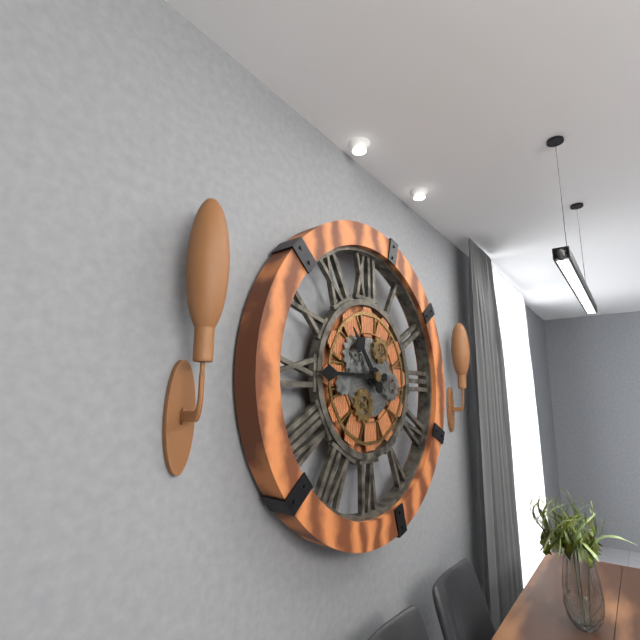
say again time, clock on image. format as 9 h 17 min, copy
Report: 10 h 45 min
